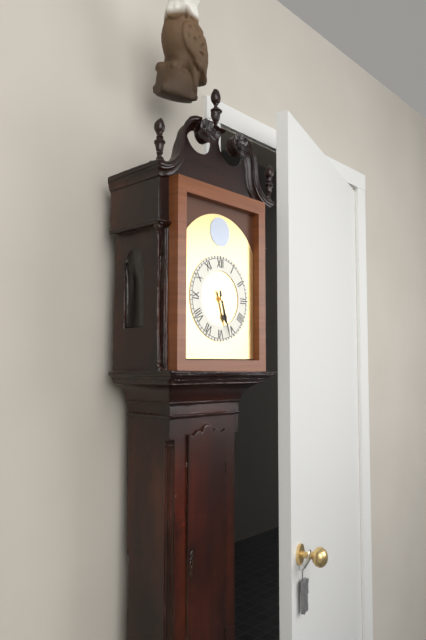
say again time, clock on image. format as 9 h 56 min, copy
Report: 5 h 27 min
